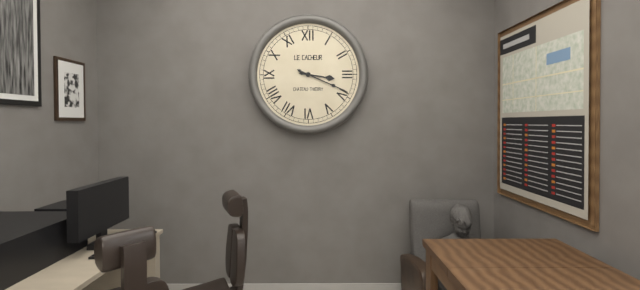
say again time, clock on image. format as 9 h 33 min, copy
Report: 3 h 19 min
